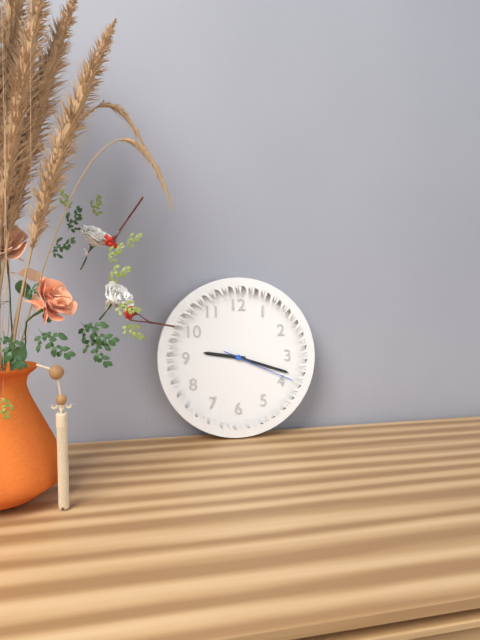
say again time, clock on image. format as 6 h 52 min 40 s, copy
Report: 9 h 18 min 19 s
